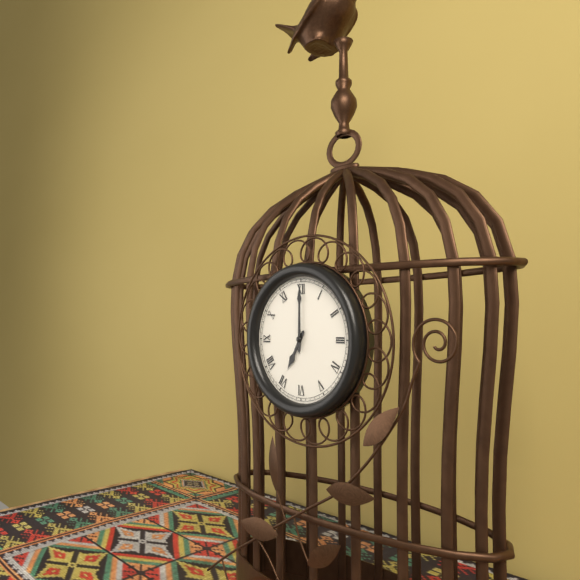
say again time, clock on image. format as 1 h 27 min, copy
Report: 7 h 00 min
